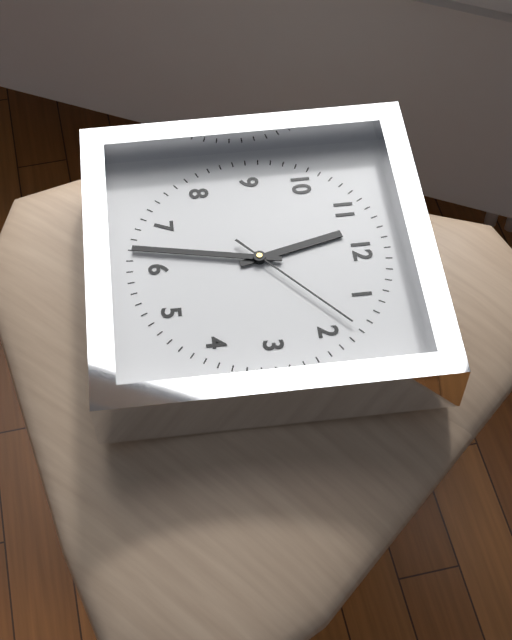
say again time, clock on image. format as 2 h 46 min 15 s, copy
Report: 11 h 32 min 08 s
